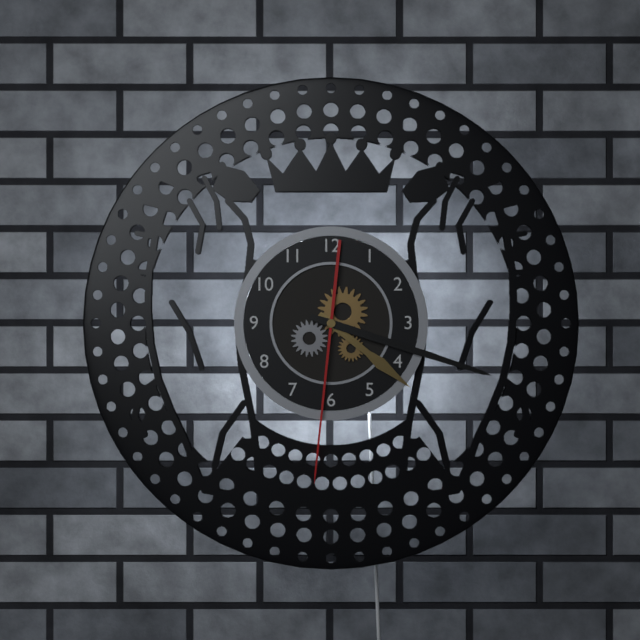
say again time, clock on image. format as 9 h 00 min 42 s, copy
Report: 4 h 18 min 31 s
